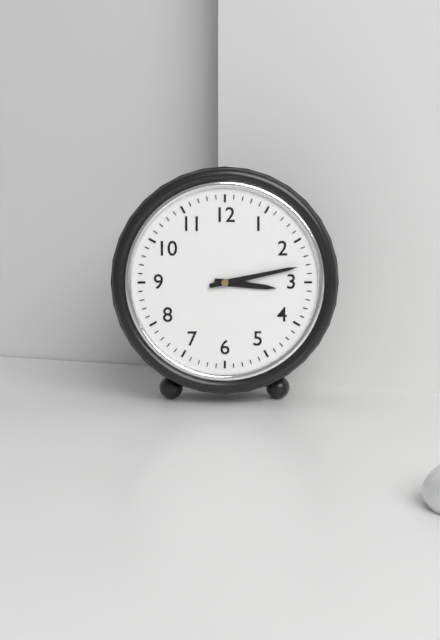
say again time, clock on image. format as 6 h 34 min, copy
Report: 3 h 13 min
